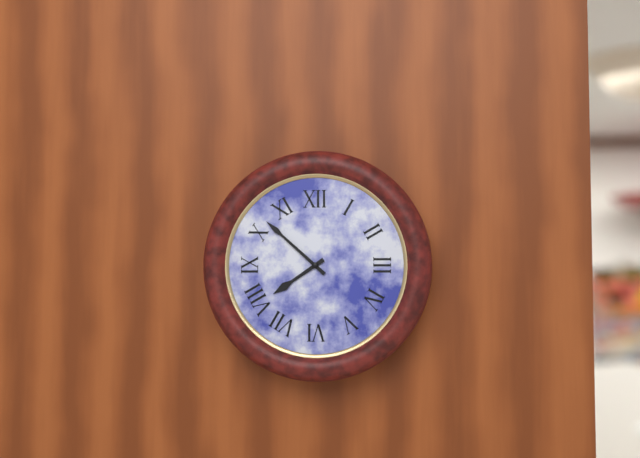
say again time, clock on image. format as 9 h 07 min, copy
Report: 7 h 52 min
